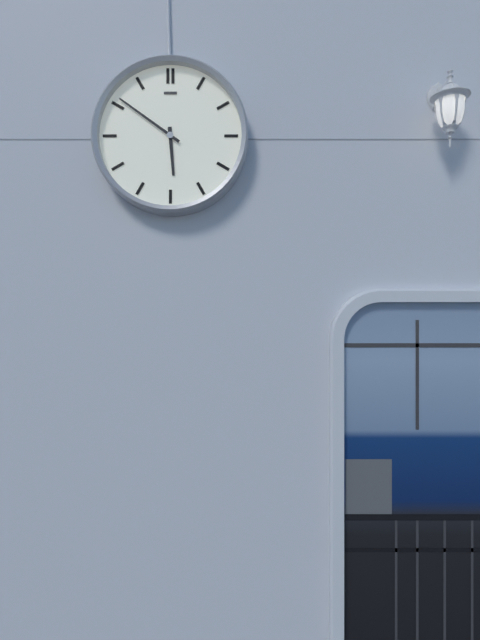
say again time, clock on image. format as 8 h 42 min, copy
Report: 5 h 51 min
